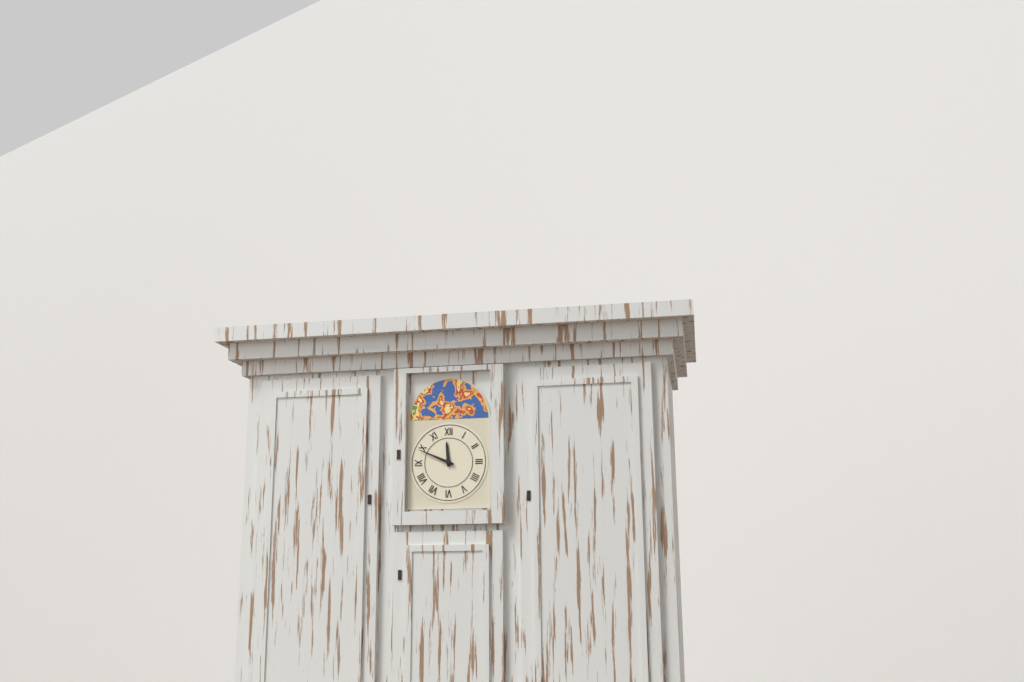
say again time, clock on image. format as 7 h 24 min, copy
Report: 11 h 49 min
